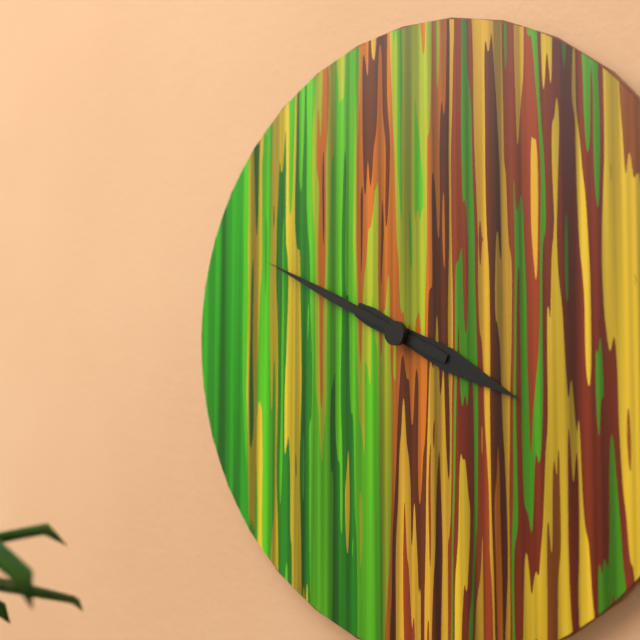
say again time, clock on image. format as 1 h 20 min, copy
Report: 3 h 49 min
